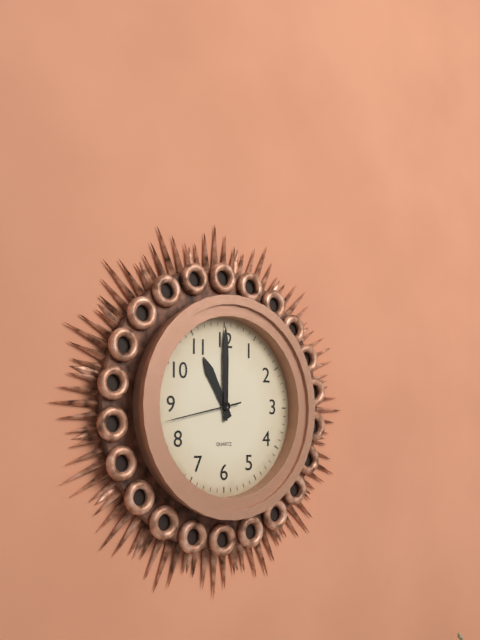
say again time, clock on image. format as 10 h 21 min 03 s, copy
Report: 11 h 00 min 43 s
